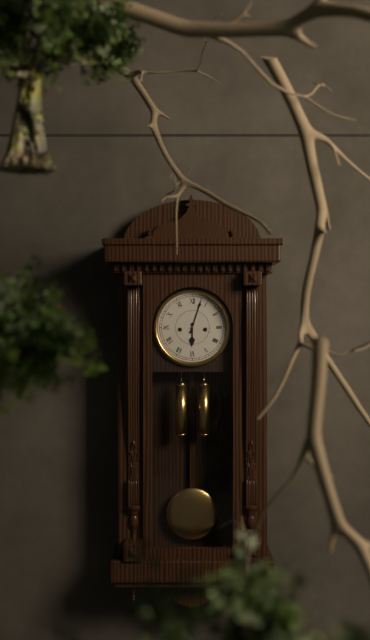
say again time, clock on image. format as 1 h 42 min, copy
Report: 6 h 03 min
